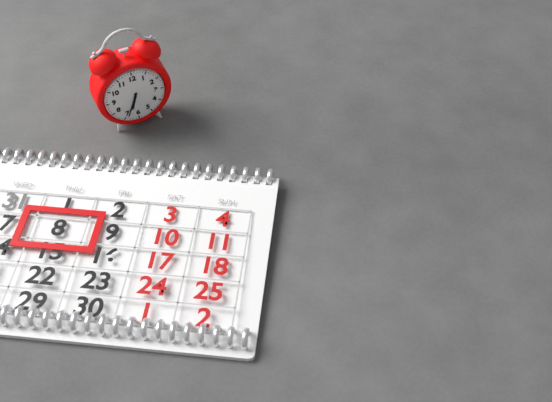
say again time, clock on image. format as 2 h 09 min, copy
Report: 6 h 34 min
